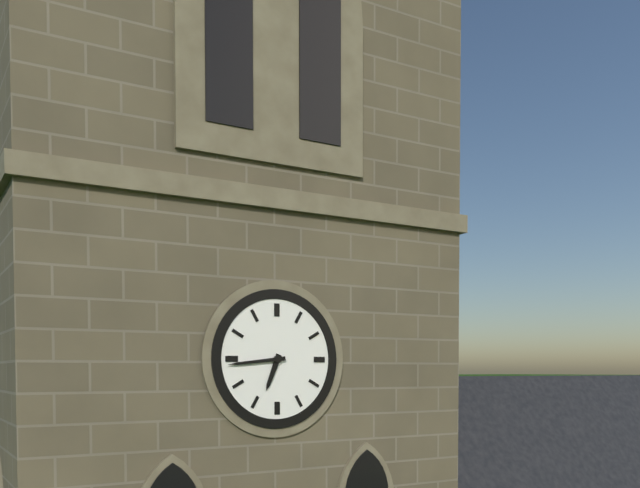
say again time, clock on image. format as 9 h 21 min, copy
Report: 6 h 44 min
